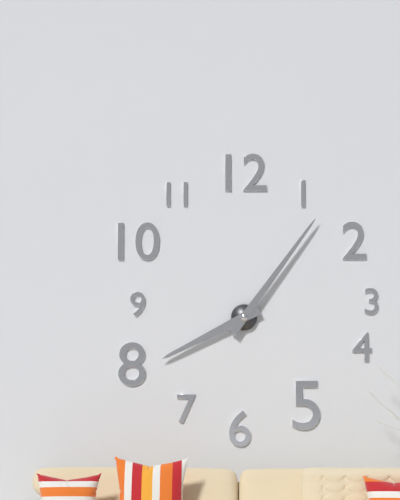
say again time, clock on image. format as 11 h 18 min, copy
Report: 8 h 06 min
